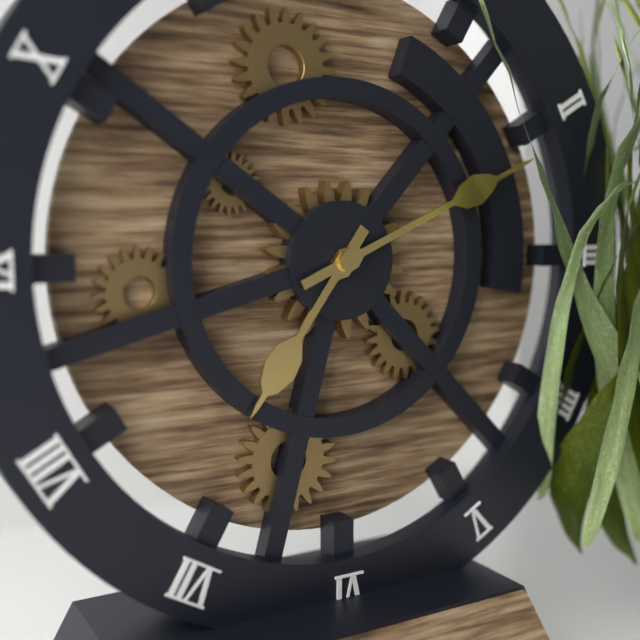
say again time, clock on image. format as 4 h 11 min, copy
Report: 7 h 11 min
